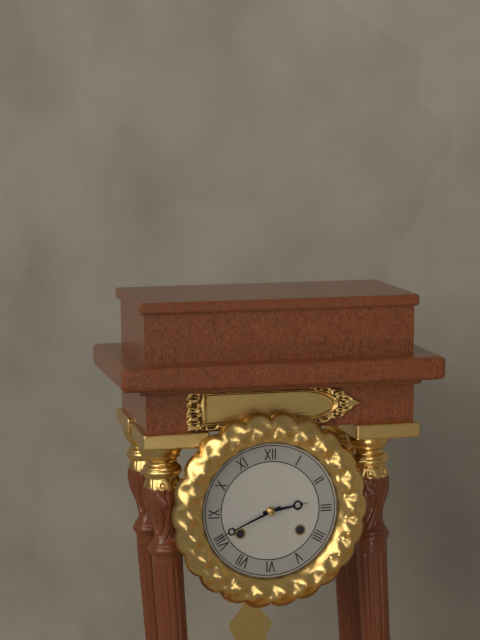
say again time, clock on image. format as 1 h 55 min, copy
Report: 2 h 41 min
